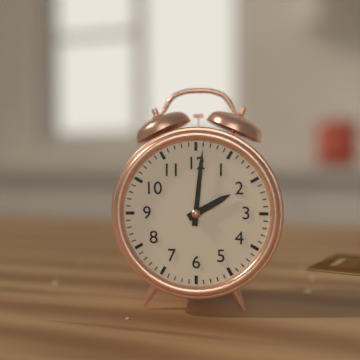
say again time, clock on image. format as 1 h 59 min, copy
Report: 2 h 01 min
